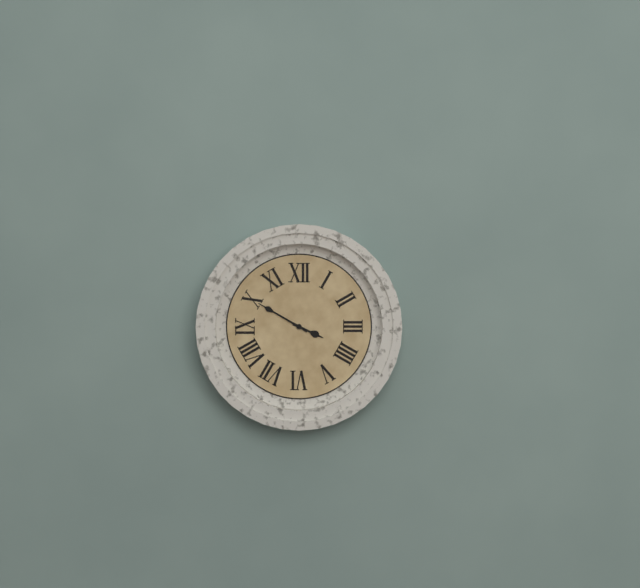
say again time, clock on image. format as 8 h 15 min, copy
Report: 3 h 50 min
